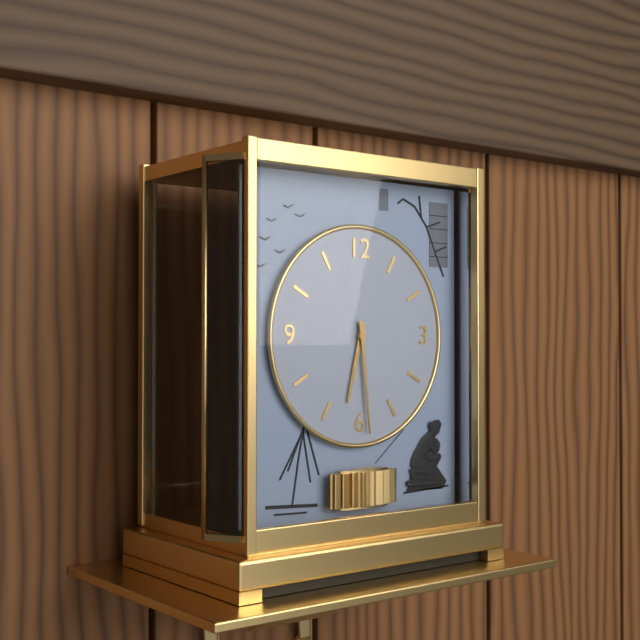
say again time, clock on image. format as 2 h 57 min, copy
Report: 6 h 29 min
